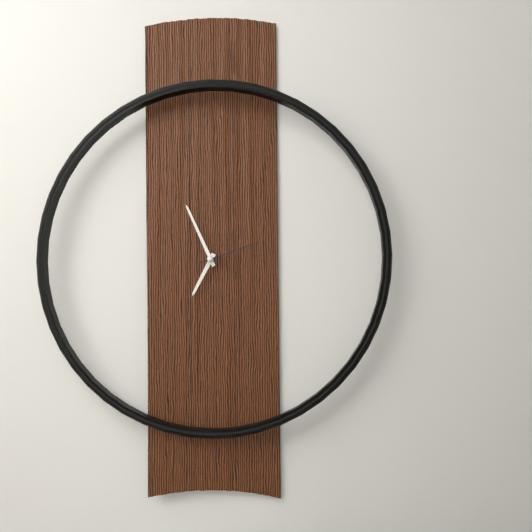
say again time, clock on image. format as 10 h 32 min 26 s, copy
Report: 6 h 56 min 12 s
